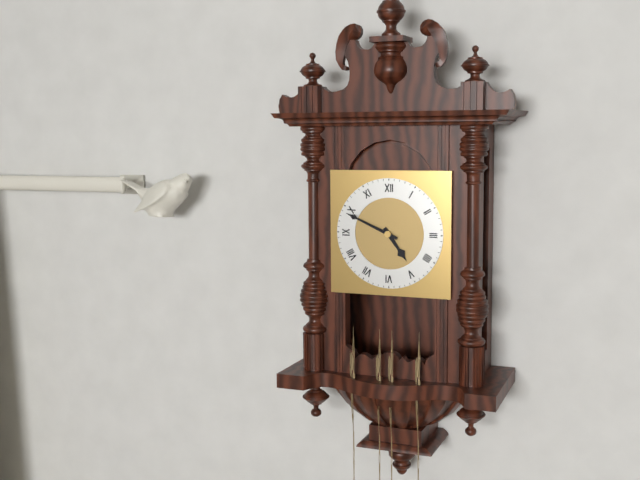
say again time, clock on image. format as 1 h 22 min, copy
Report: 4 h 49 min
